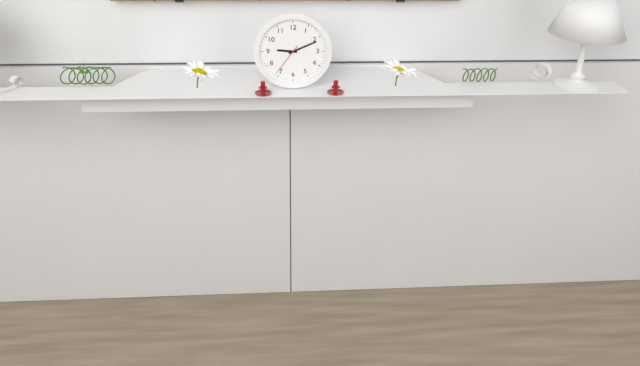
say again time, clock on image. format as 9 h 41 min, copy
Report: 9 h 11 min
